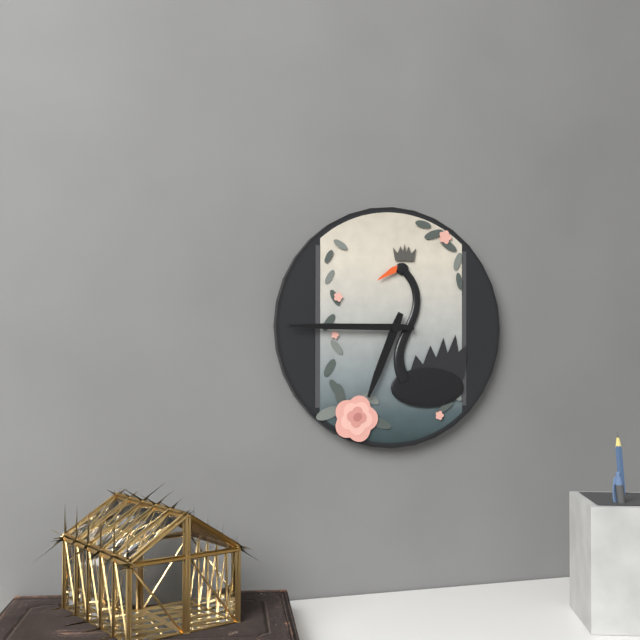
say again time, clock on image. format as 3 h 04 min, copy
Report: 6 h 45 min
